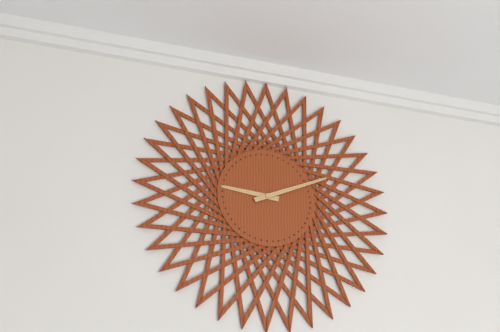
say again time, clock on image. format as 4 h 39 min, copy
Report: 9 h 11 min
